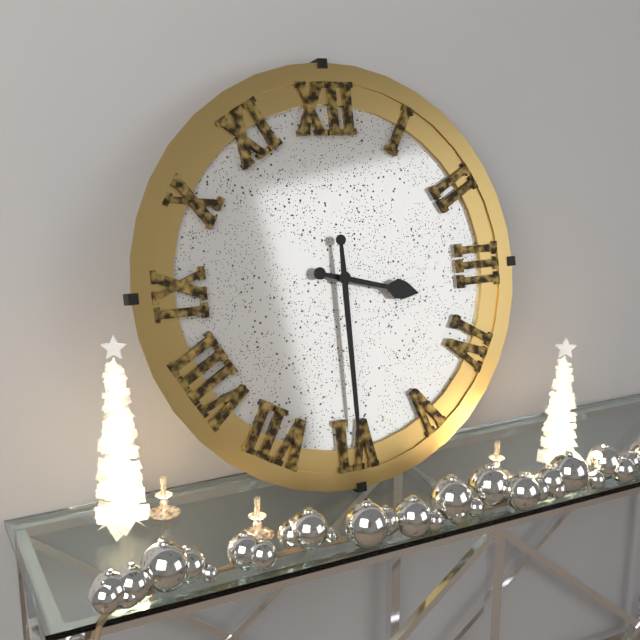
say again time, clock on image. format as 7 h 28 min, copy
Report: 3 h 30 min
